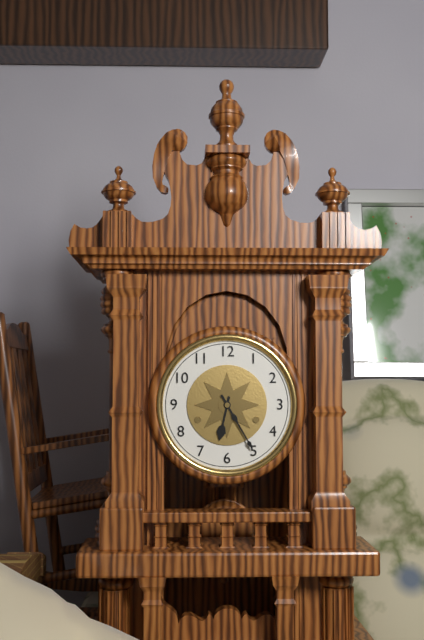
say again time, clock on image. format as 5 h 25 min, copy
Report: 6 h 25 min
